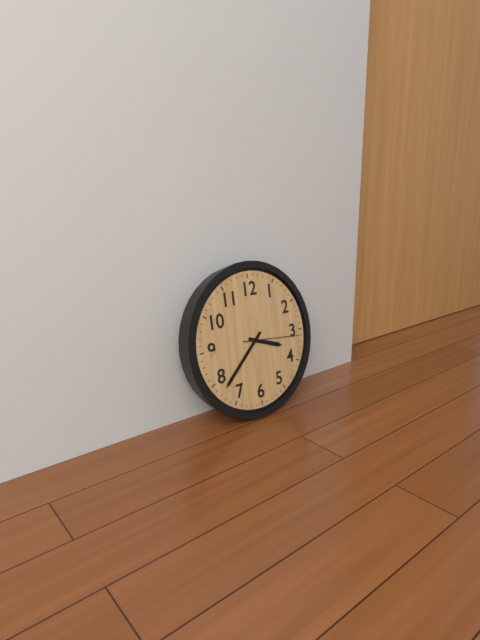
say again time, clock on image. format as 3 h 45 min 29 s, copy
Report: 3 h 38 min 16 s
